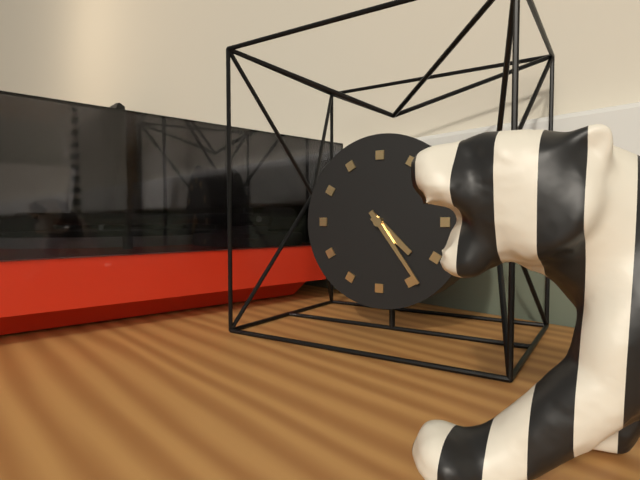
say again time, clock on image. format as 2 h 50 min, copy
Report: 4 h 24 min
